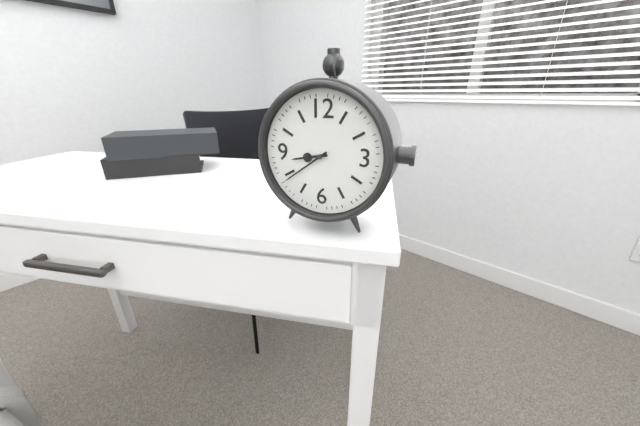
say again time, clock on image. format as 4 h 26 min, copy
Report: 8 h 39 min
